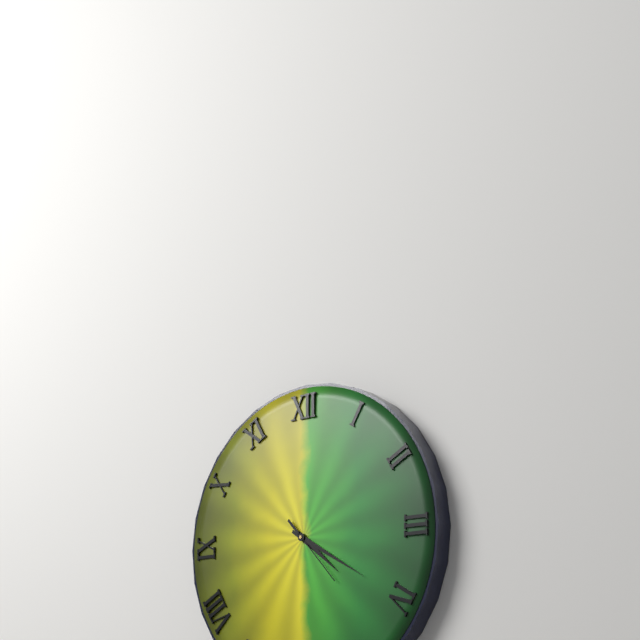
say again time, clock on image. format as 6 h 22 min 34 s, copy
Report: 4 h 20 min 23 s
